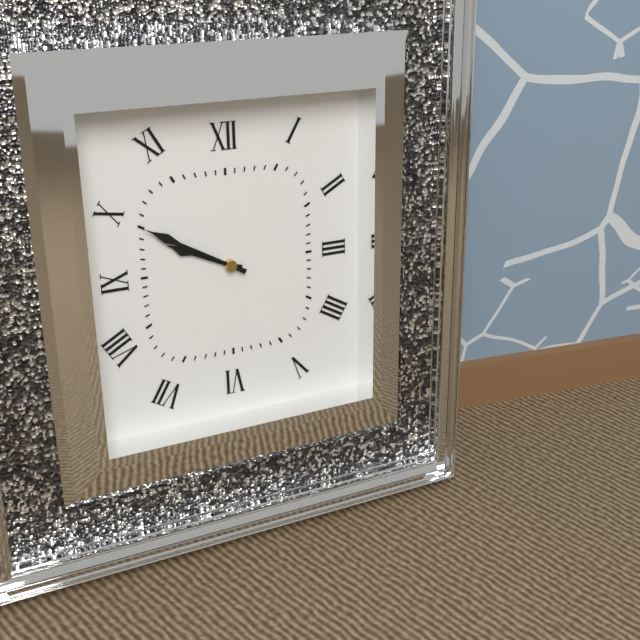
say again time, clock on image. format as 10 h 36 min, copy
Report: 9 h 50 min
